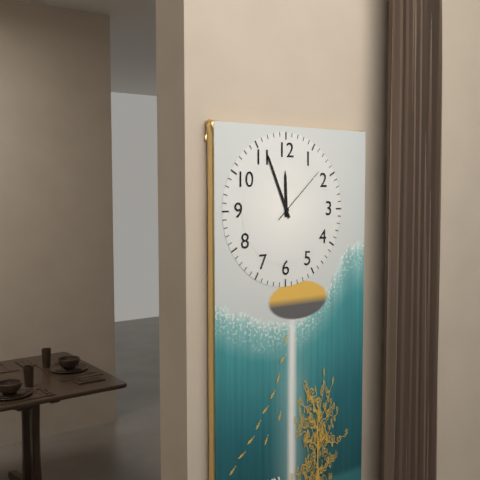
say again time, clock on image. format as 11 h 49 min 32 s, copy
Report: 11 h 56 min 08 s
